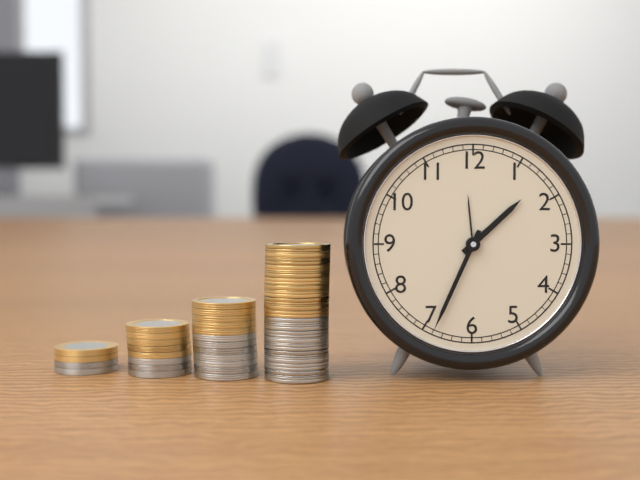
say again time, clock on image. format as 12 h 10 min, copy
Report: 1 h 34 min
